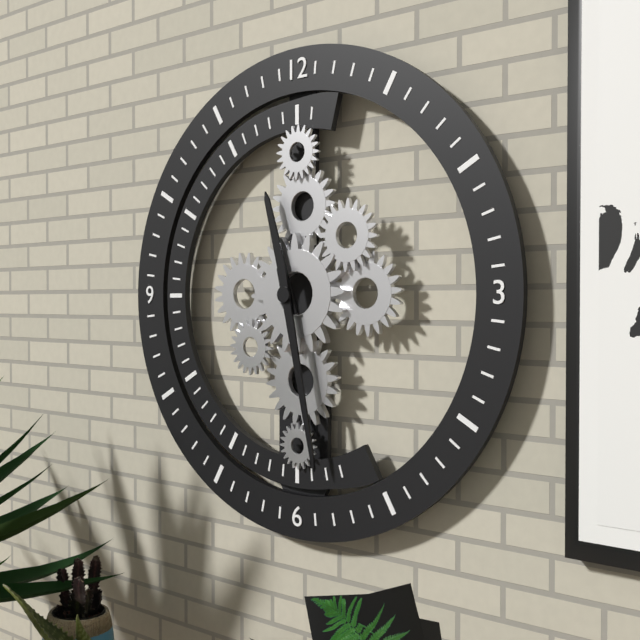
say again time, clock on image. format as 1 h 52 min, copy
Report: 11 h 28 min
